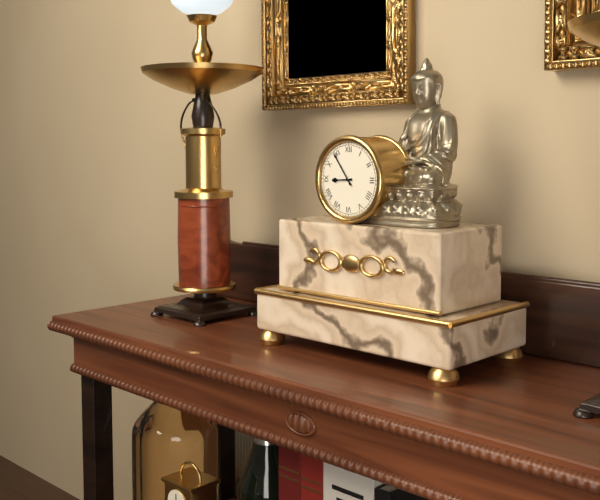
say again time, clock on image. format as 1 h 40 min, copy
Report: 8 h 54 min
